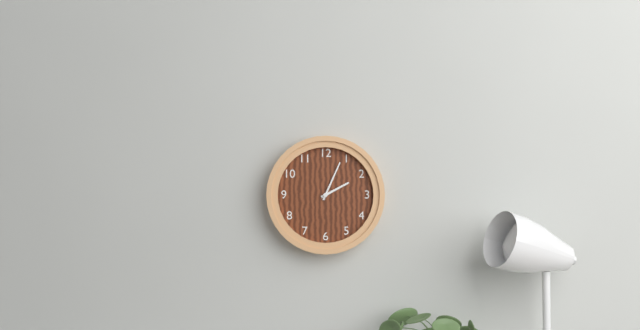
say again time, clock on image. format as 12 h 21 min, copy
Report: 2 h 04 min
